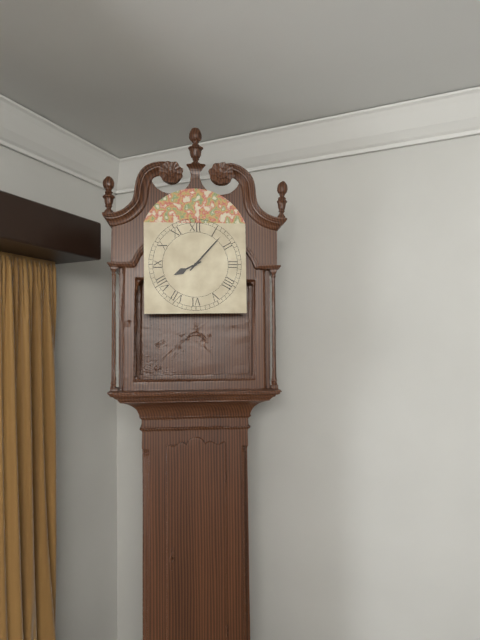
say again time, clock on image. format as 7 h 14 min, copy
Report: 8 h 07 min
